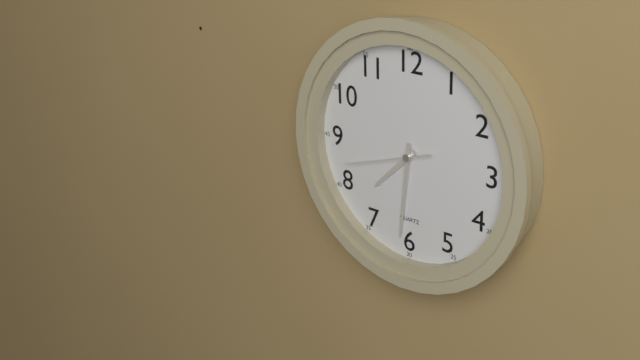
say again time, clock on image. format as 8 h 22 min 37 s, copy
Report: 7 h 31 min 42 s
